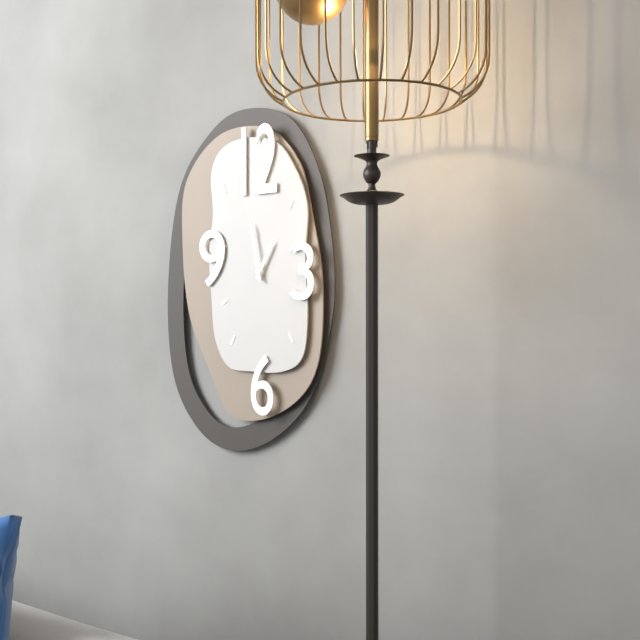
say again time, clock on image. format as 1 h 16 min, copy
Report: 12 h 58 min
